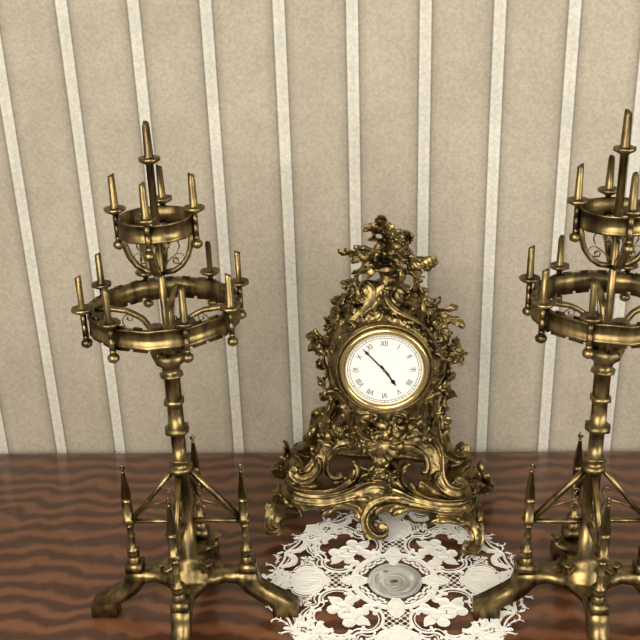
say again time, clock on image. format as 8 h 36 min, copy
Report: 4 h 53 min
